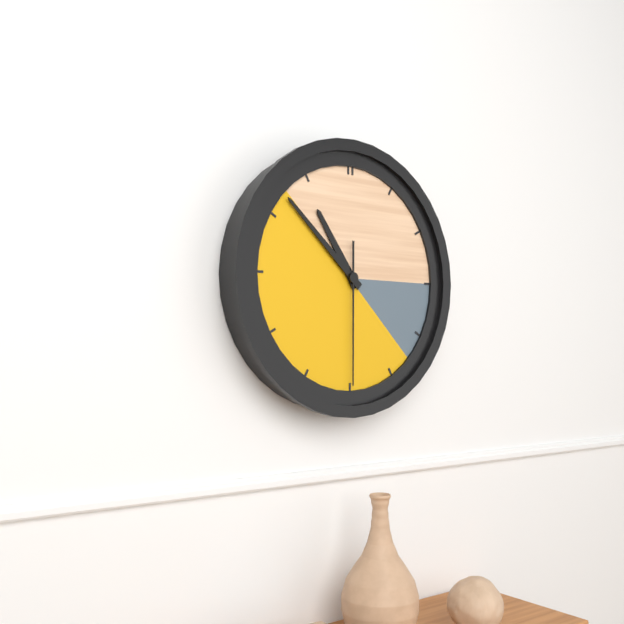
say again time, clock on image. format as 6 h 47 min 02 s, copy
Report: 10 h 52 min 30 s
